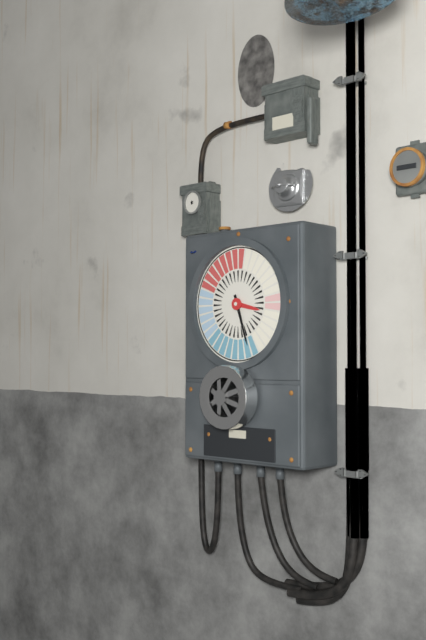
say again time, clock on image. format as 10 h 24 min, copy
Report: 3 h 27 min
